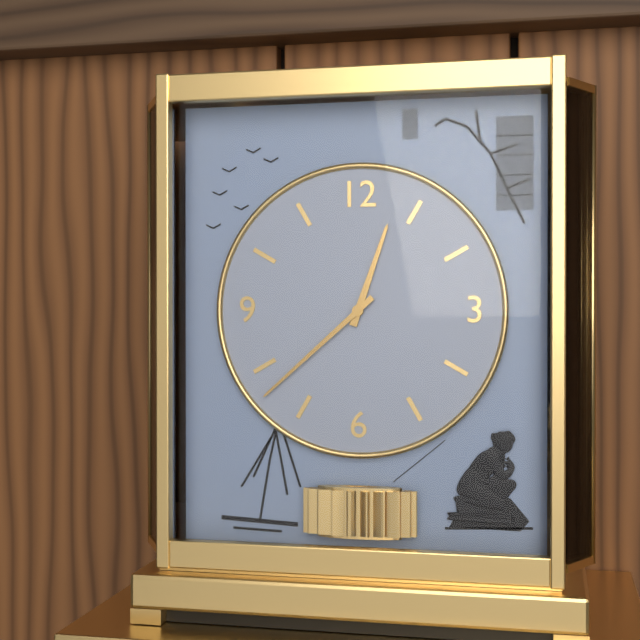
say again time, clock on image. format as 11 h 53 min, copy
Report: 12 h 38 min
